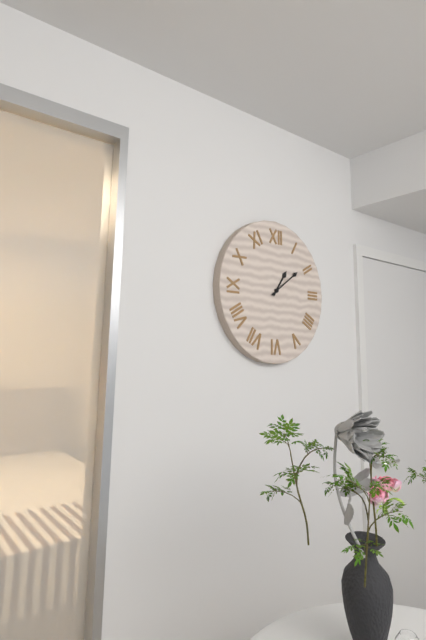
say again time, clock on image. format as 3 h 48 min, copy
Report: 1 h 09 min
